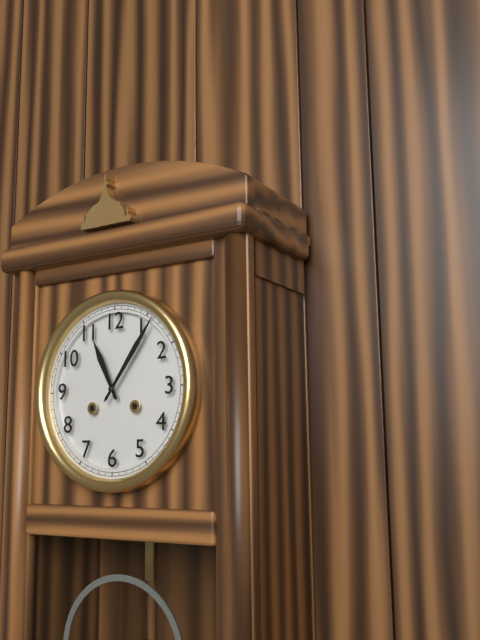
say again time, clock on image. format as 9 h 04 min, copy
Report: 11 h 06 min
